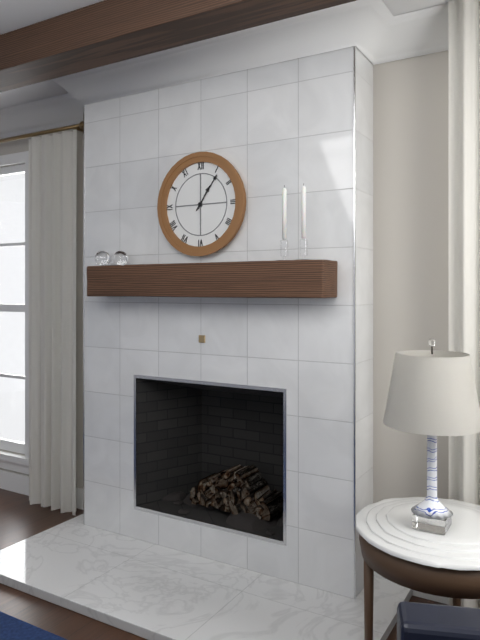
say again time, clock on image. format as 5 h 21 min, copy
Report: 1 h 06 min
